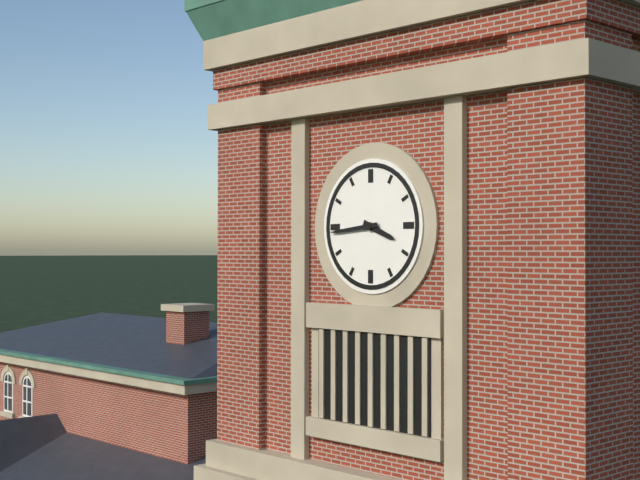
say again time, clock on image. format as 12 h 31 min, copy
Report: 3 h 44 min
